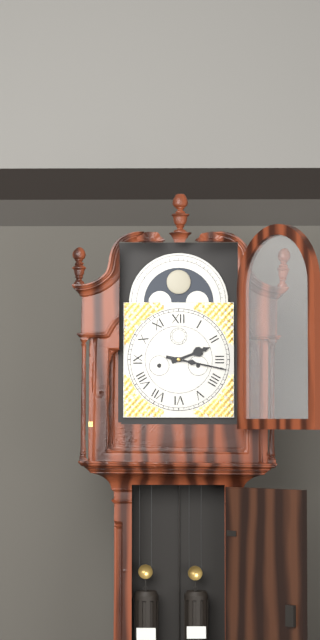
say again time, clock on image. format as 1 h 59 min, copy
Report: 2 h 17 min
